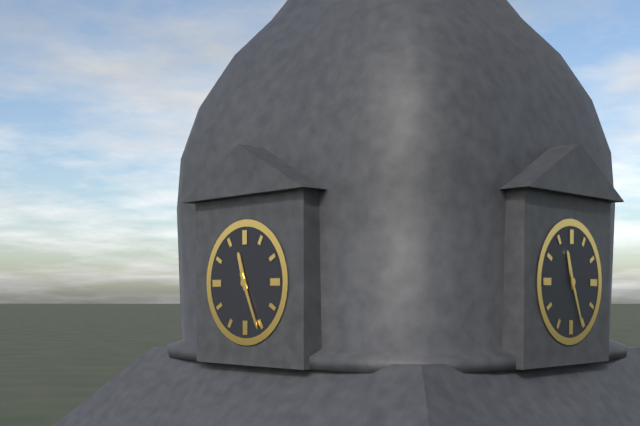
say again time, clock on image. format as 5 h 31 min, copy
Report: 11 h 26 min
